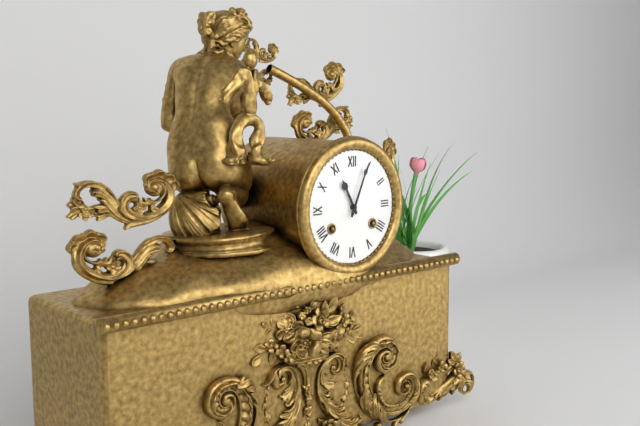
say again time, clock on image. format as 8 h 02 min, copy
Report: 11 h 04 min
